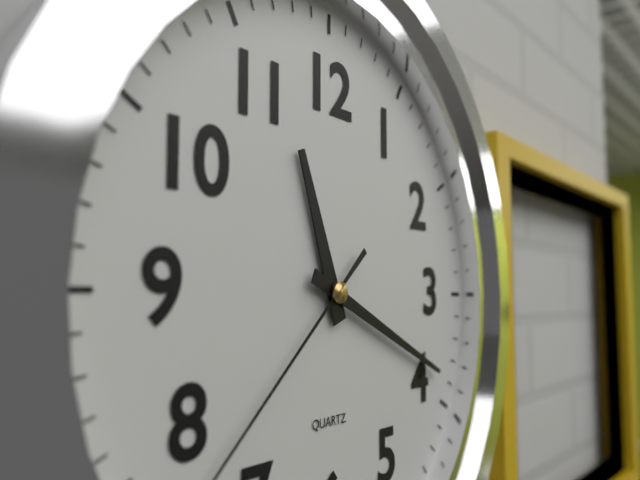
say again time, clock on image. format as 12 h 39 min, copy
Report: 11 h 19 min
